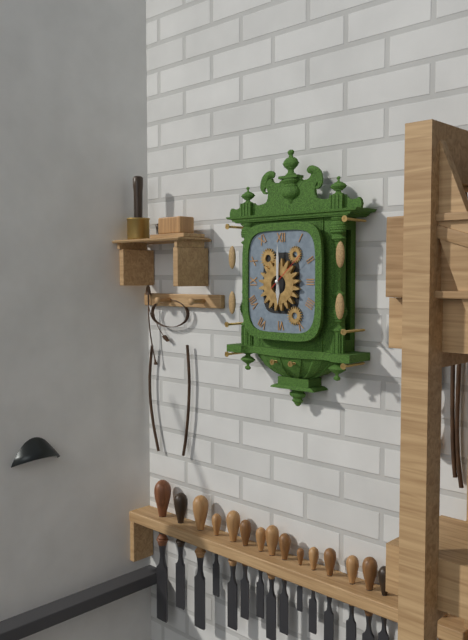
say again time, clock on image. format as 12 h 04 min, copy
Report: 6 h 00 min
